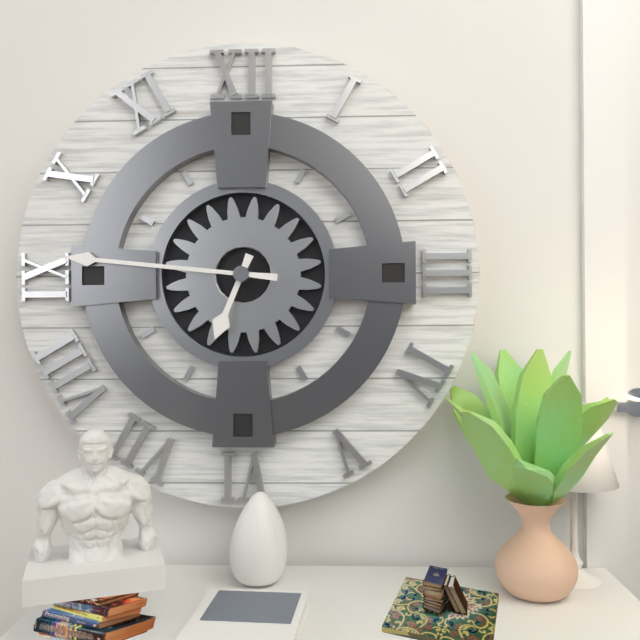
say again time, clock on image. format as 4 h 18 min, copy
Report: 6 h 46 min
